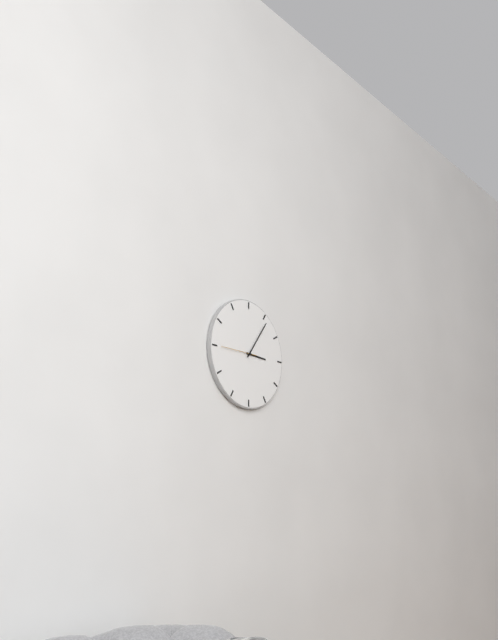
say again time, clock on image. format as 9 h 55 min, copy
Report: 3 h 06 min
